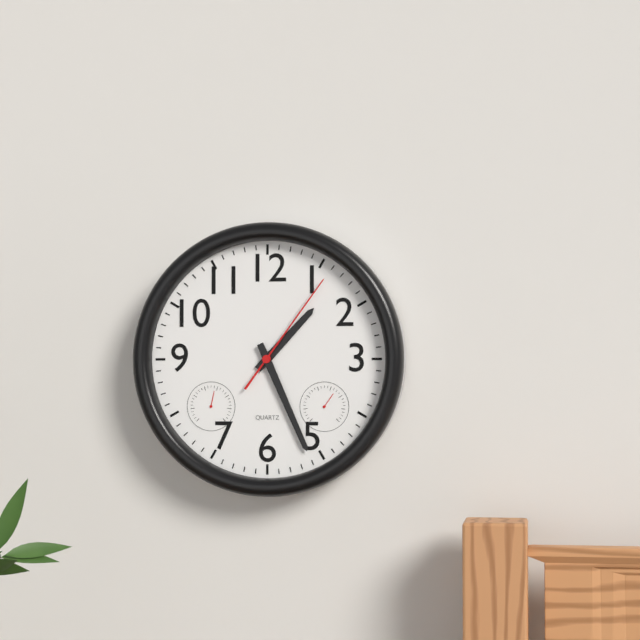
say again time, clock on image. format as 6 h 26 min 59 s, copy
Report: 1 h 26 min 06 s
